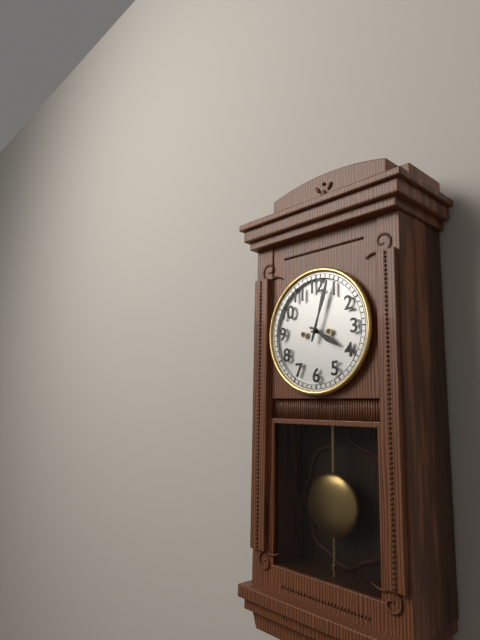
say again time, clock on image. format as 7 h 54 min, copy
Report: 4 h 03 min
